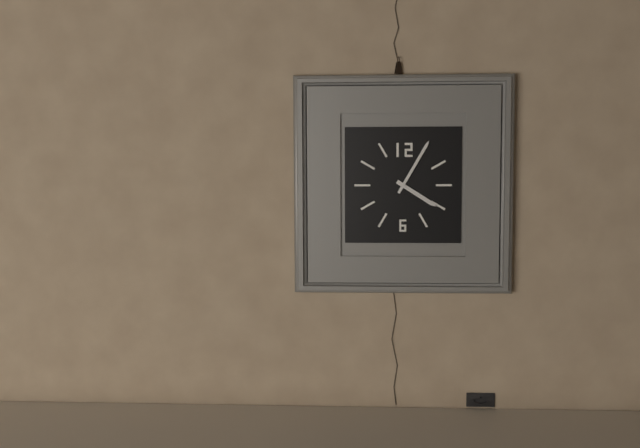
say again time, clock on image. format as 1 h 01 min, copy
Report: 4 h 05 min
